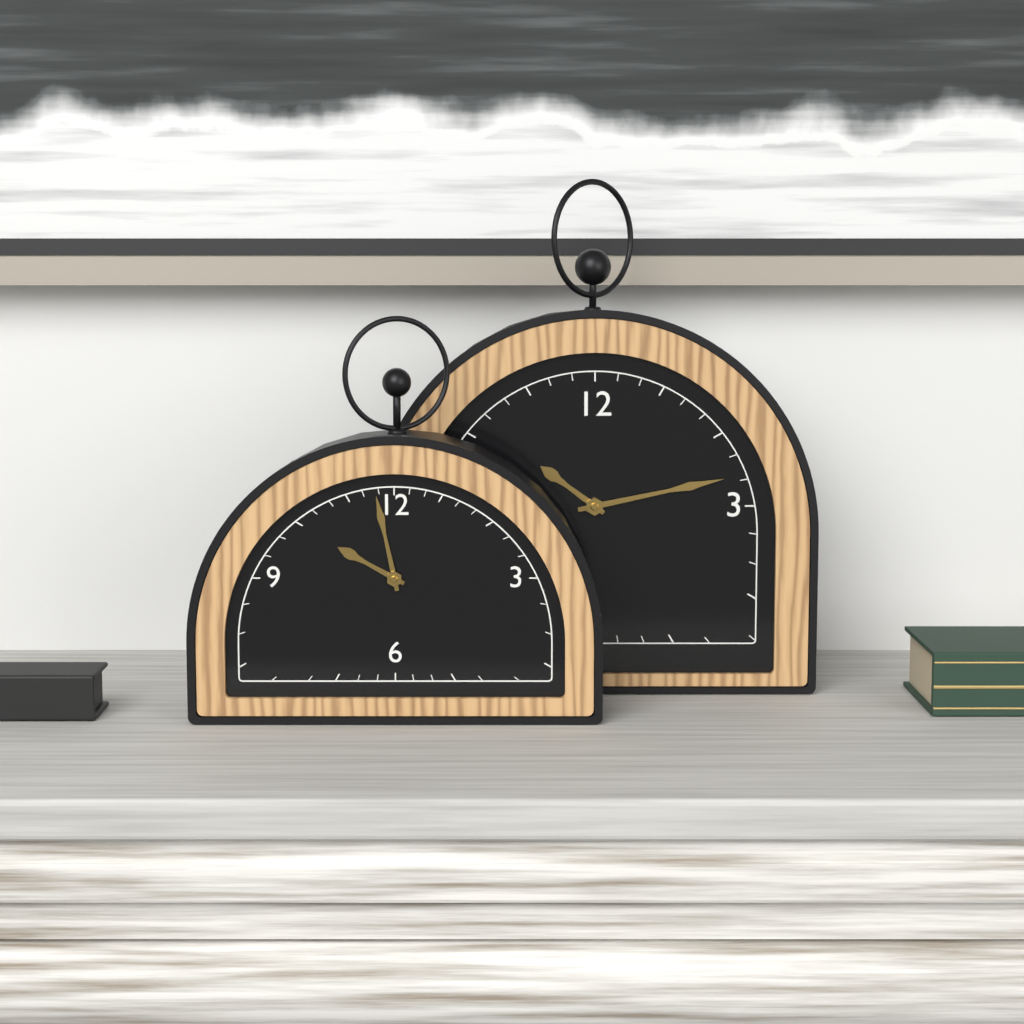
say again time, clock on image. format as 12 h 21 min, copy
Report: 9 h 58 min
